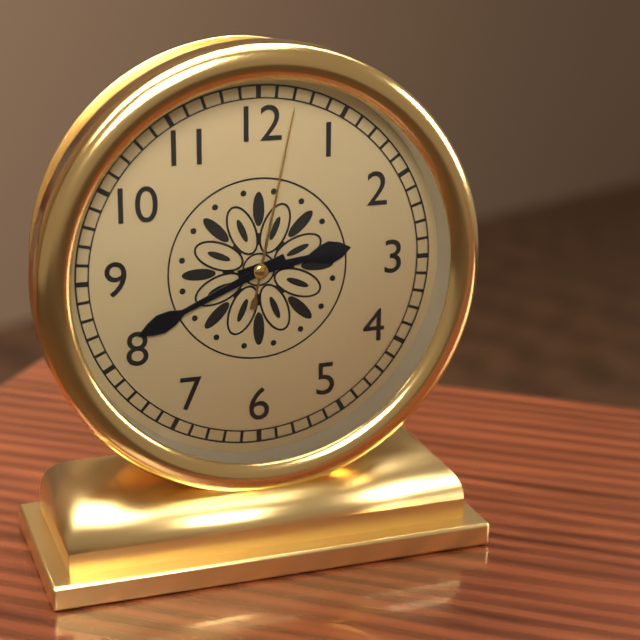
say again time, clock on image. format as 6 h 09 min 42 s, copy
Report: 2 h 41 min 02 s
